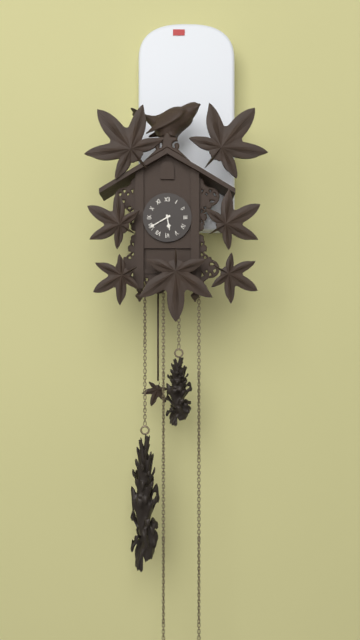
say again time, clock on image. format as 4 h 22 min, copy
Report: 5 h 40 min
